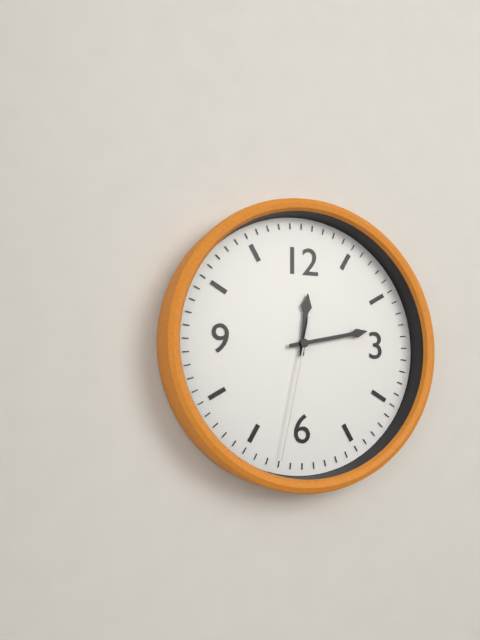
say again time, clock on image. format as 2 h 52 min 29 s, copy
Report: 12 h 13 min 32 s
